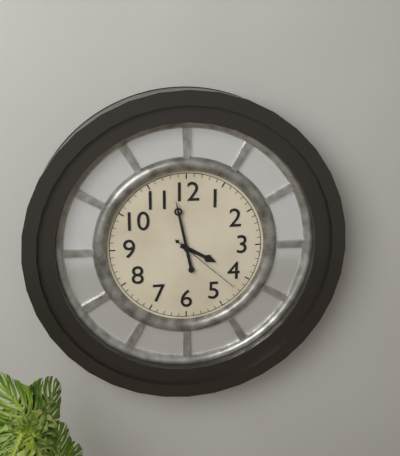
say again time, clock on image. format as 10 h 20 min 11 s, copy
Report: 3 h 58 min 22 s
